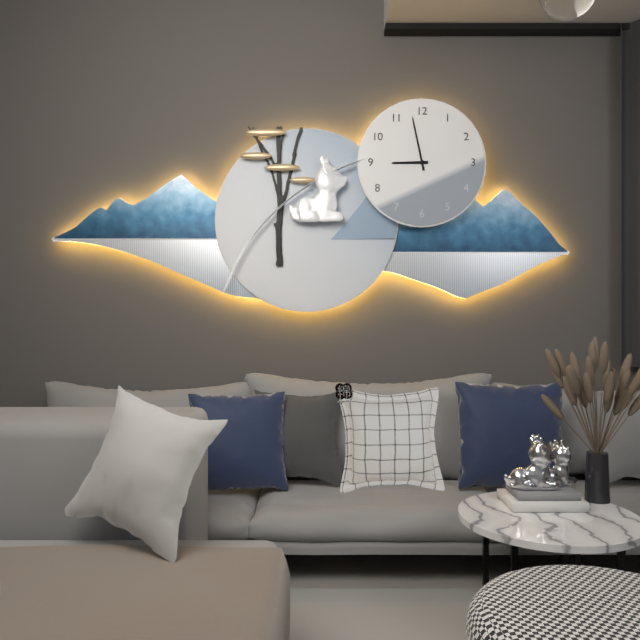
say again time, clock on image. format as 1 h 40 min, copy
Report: 8 h 58 min
